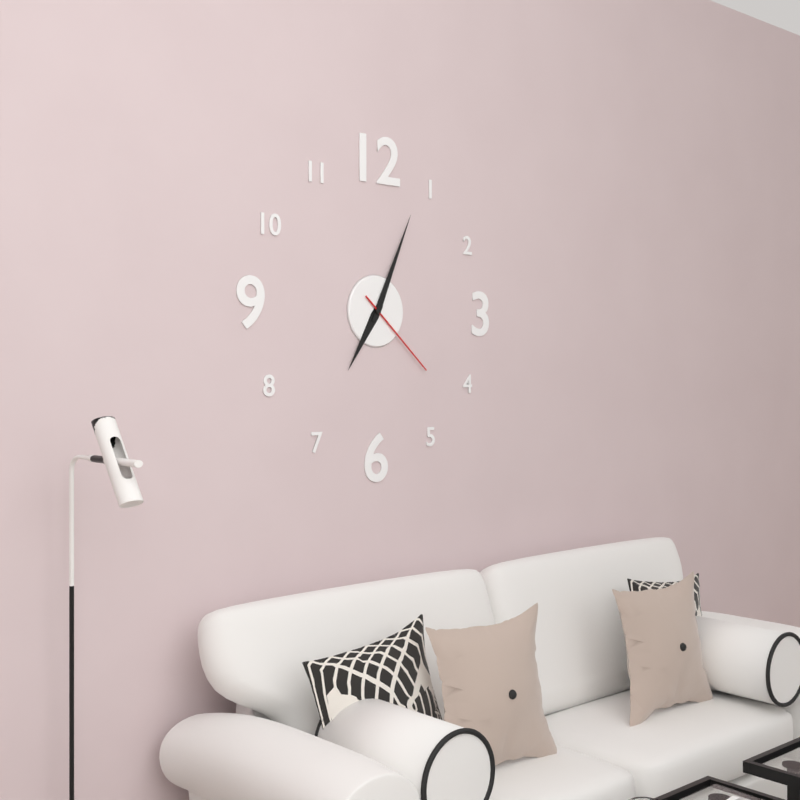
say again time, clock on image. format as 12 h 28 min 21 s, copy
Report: 7 h 04 min 22 s
